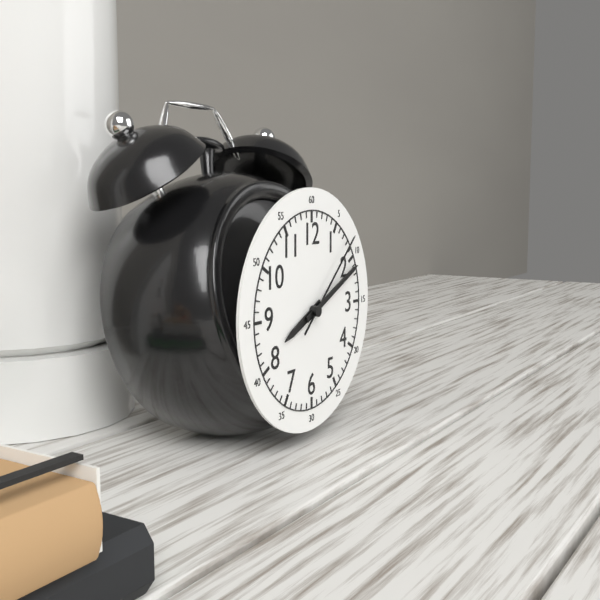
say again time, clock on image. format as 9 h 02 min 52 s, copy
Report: 8 h 11 min 08 s
